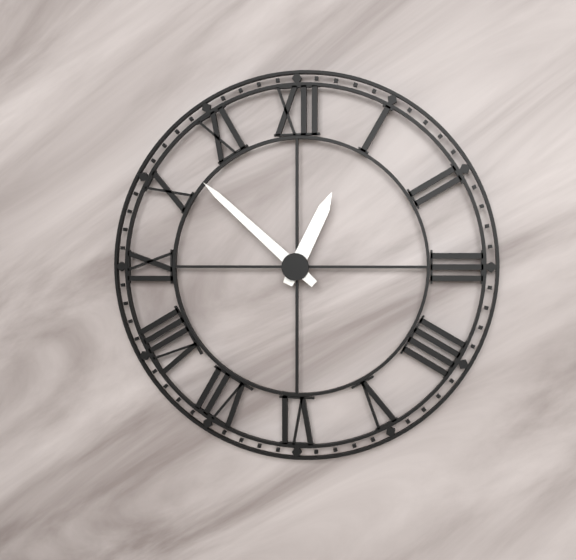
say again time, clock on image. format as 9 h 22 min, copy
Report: 12 h 52 min
